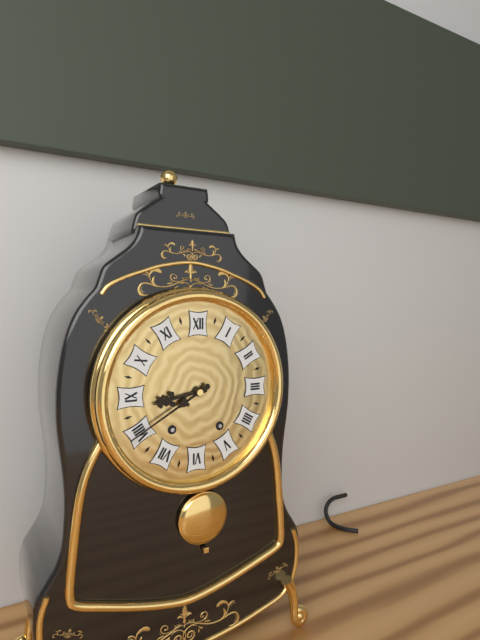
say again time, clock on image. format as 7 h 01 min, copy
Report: 8 h 40 min
